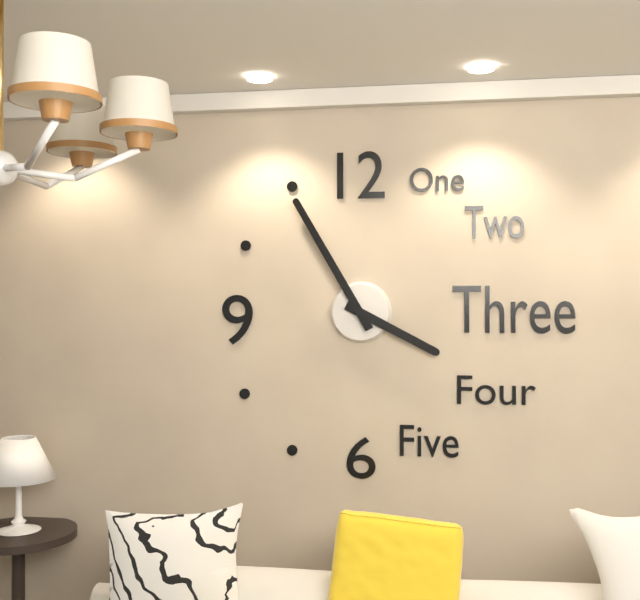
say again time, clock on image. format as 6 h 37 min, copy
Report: 3 h 55 min
